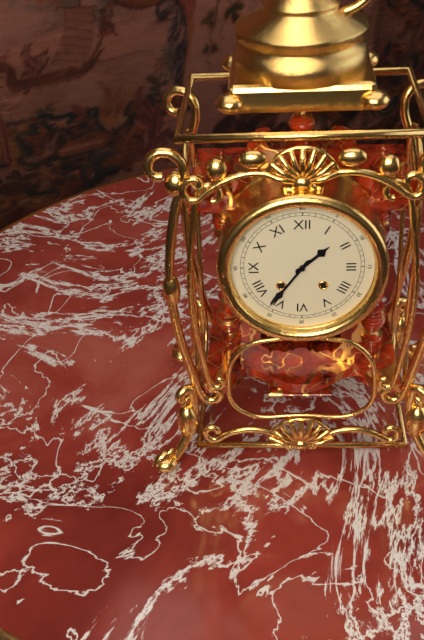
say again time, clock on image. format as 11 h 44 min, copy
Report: 1 h 36 min
